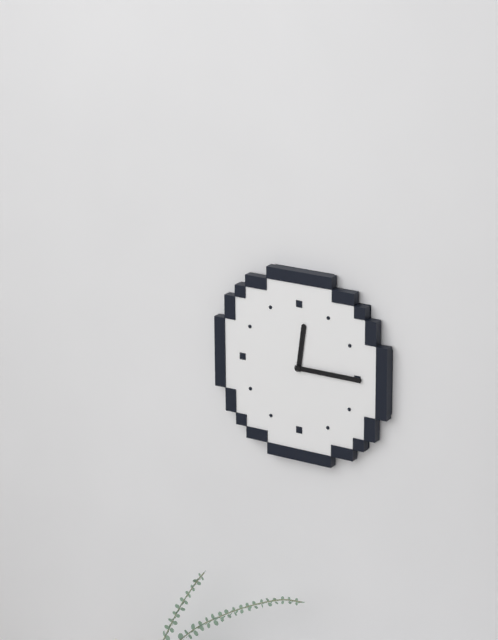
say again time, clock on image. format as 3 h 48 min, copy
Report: 12 h 15 min
